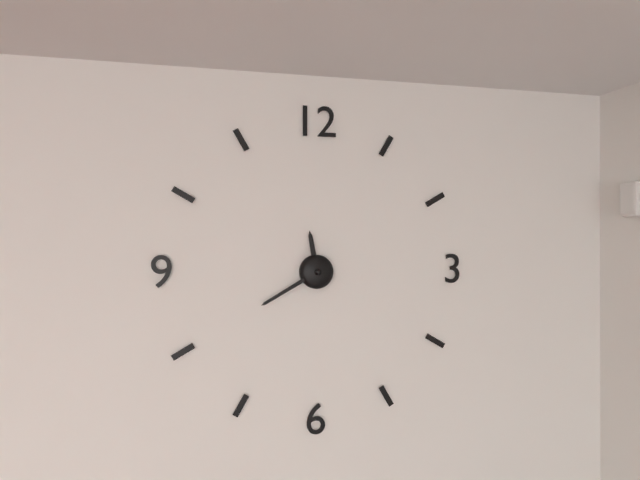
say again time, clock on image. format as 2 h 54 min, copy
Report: 11 h 40 min
